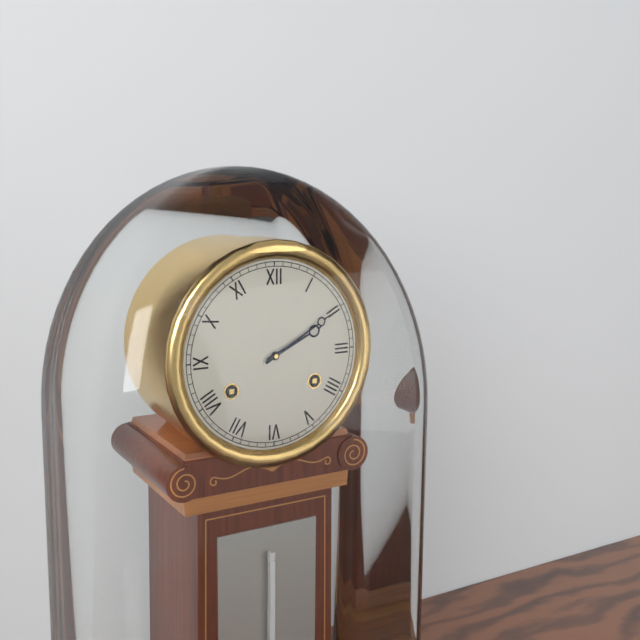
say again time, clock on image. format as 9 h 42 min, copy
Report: 2 h 10 min
